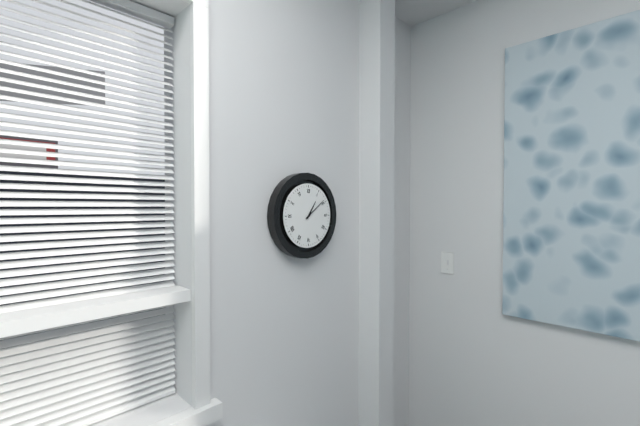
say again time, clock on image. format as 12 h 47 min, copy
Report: 1 h 09 min
